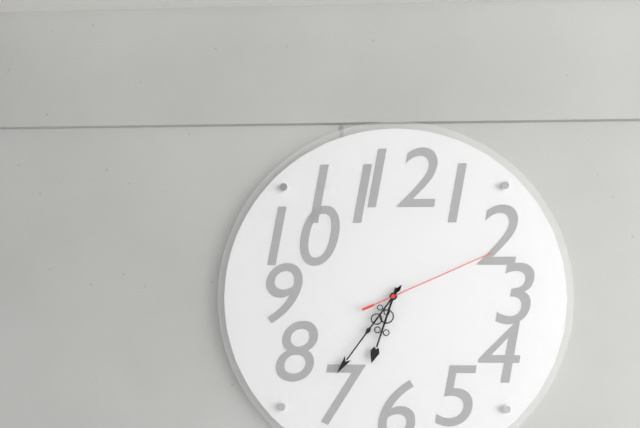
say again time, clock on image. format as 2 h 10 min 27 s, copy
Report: 6 h 36 min 11 s
